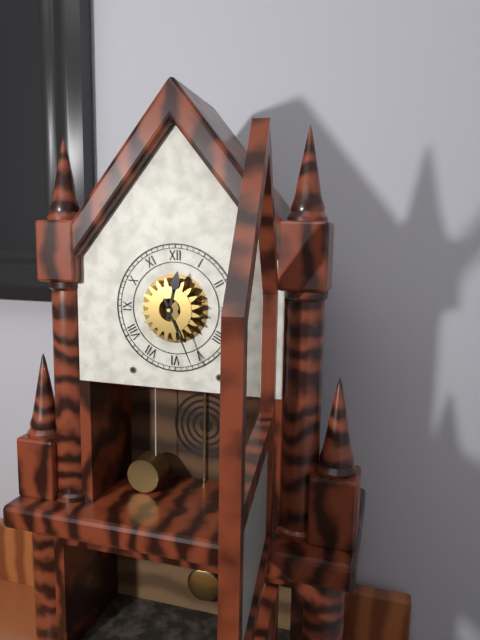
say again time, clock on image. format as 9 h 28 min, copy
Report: 12 h 26 min
